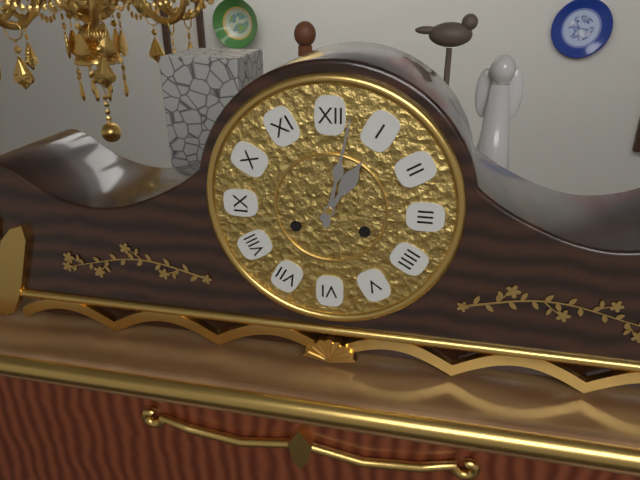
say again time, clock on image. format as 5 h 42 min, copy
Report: 1 h 02 min
